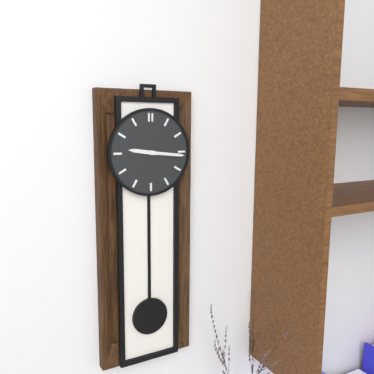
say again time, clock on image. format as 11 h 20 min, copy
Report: 9 h 16 min
